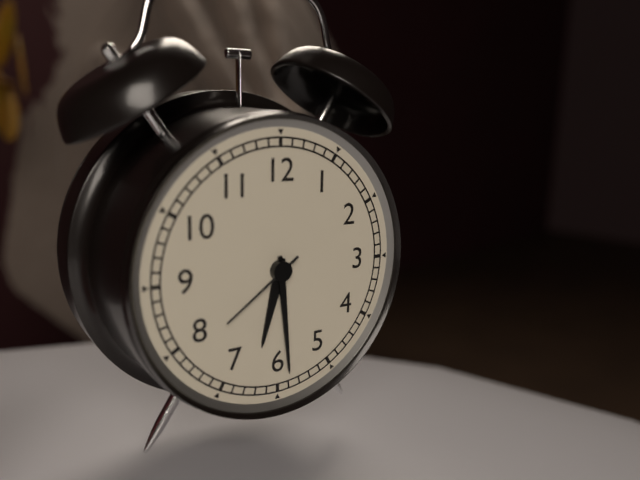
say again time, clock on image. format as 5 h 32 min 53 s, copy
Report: 6 h 29 min 39 s
